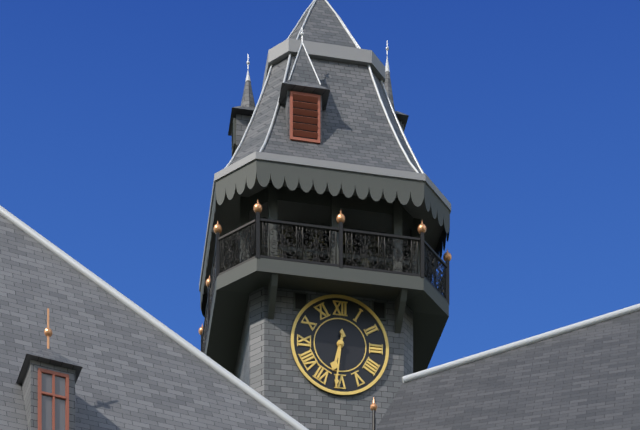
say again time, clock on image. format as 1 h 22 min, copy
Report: 6 h 31 min
